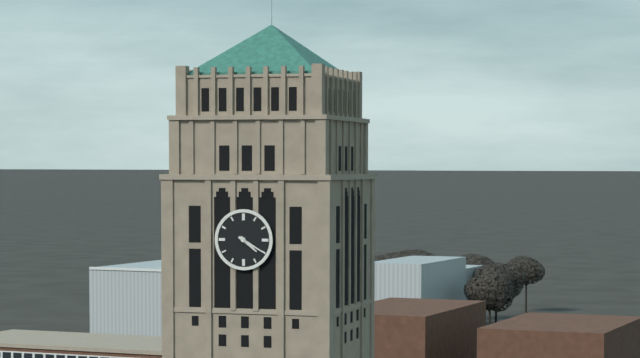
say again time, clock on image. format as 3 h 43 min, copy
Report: 4 h 20 min
